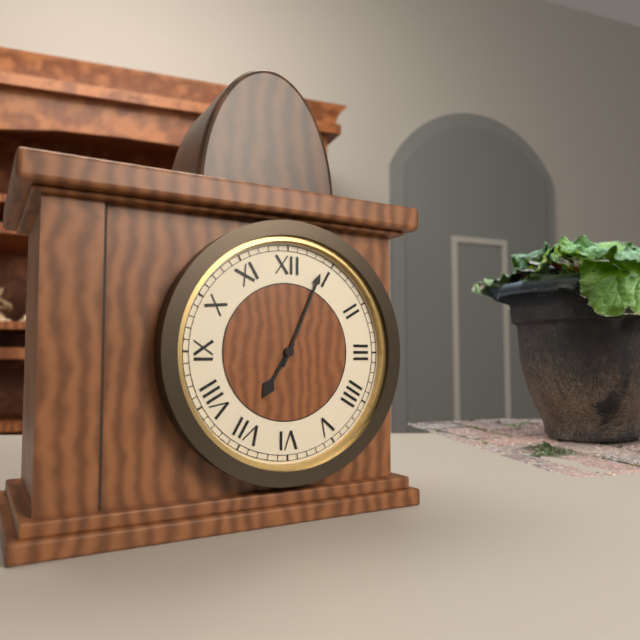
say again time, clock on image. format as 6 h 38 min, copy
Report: 7 h 04 min
